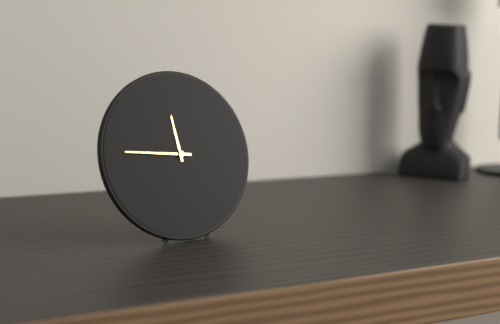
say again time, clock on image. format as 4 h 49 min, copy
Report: 11 h 46 min
